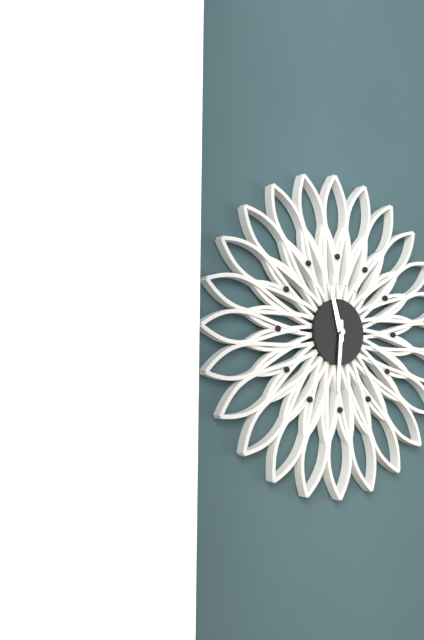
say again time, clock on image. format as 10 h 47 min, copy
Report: 11 h 31 min
